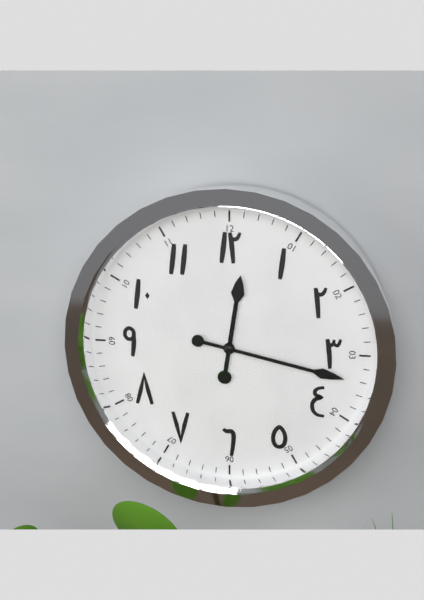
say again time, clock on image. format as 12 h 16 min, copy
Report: 12 h 17 min
